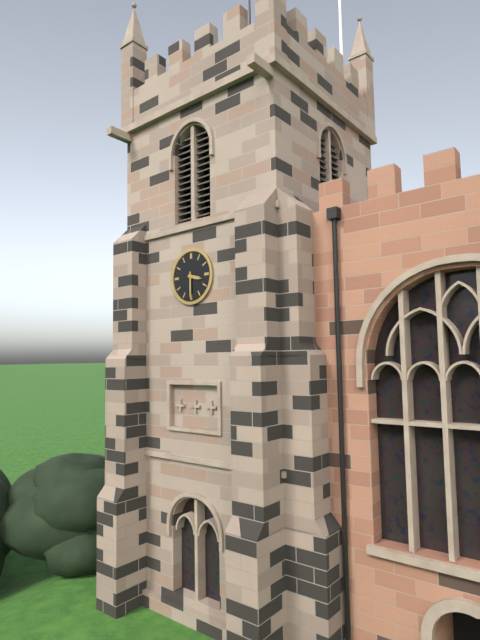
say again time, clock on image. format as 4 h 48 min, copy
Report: 3 h 30 min
